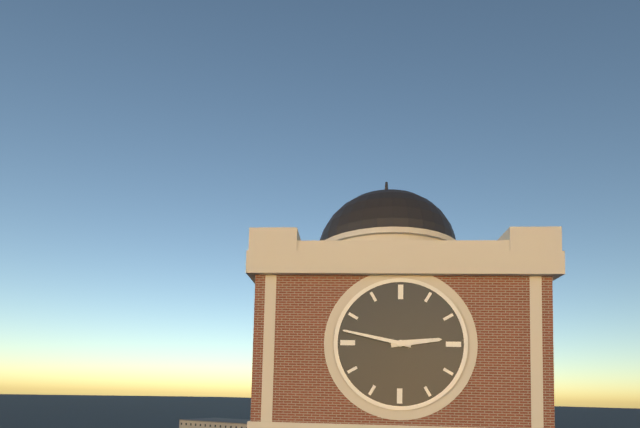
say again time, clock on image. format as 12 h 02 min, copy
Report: 2 h 47 min
